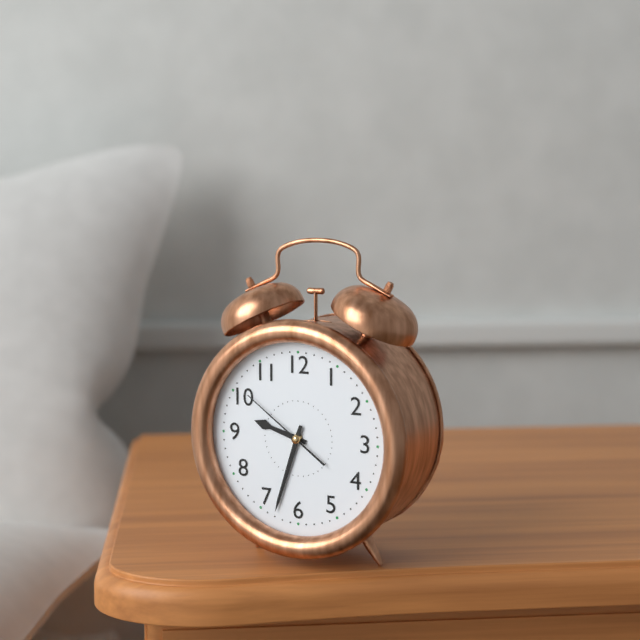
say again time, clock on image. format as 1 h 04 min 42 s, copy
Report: 9 h 33 min 51 s
